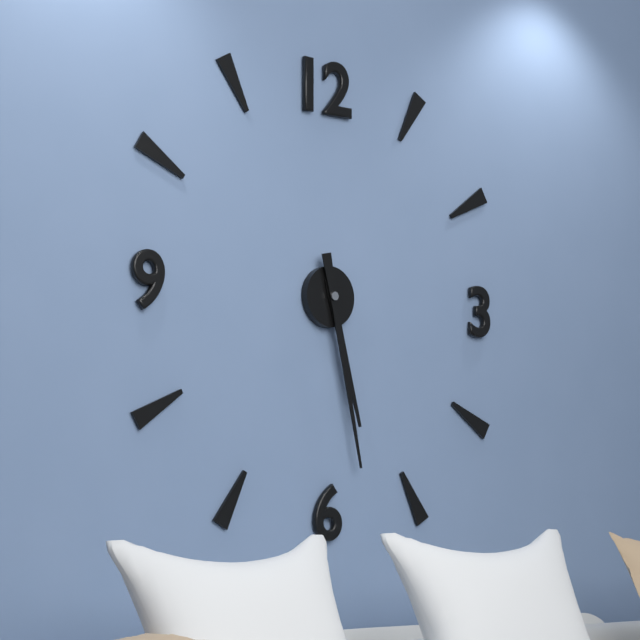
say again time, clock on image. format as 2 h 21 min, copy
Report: 5 h 28 min
